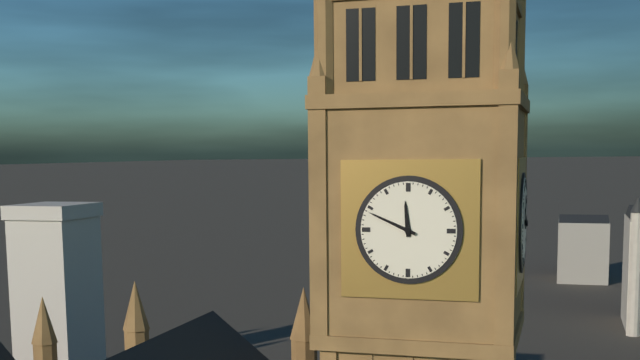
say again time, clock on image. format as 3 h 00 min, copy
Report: 11 h 49 min
